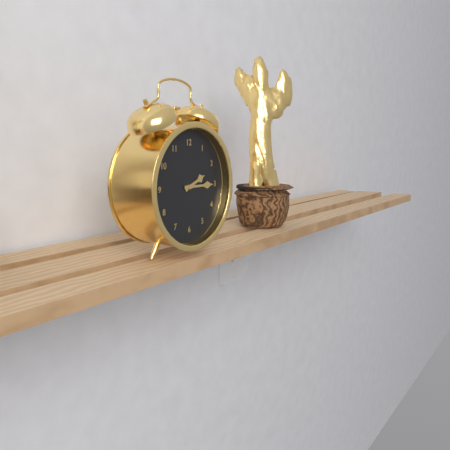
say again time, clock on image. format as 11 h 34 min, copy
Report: 2 h 15 min
